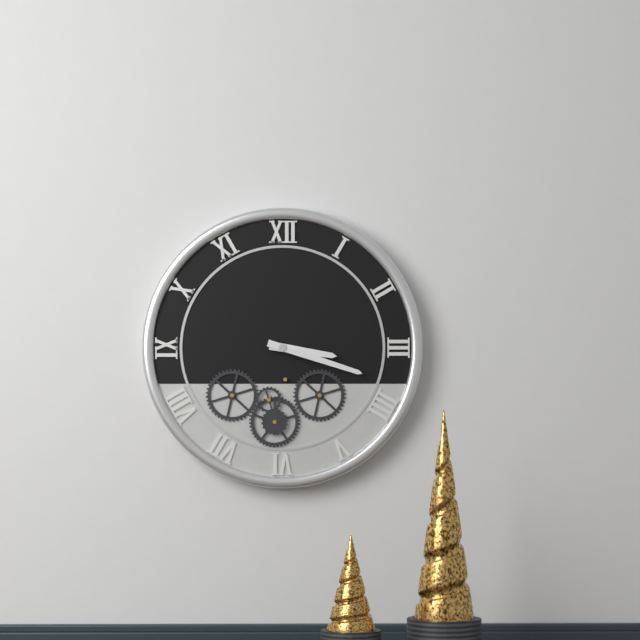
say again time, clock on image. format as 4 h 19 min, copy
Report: 3 h 18 min
